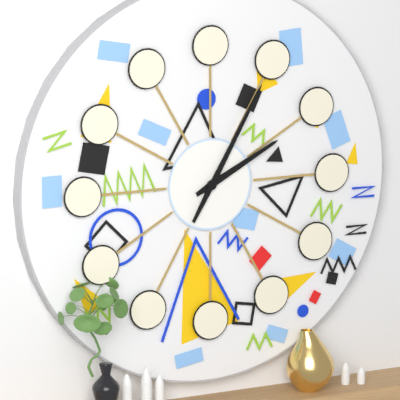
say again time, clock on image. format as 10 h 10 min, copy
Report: 2 h 05 min
